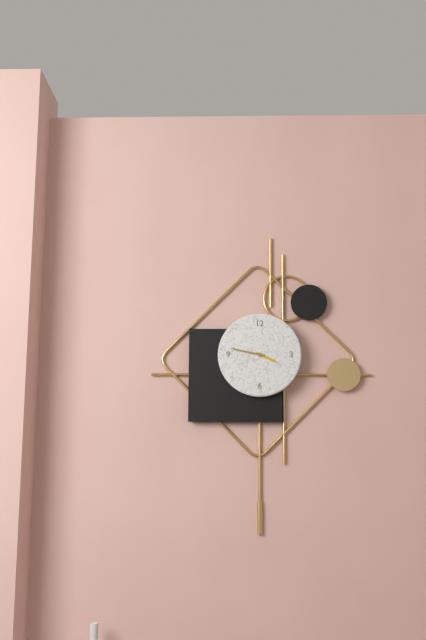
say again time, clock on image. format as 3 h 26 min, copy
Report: 3 h 47 min
